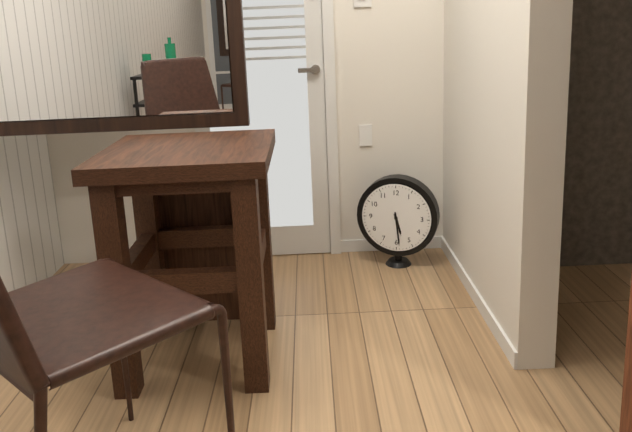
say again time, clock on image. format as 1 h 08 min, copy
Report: 5 h 29 min
